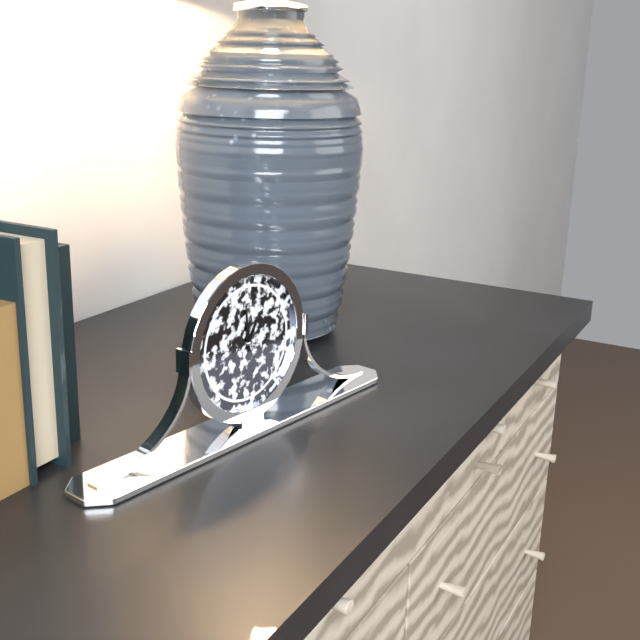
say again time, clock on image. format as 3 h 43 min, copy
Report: 12 h 59 min
